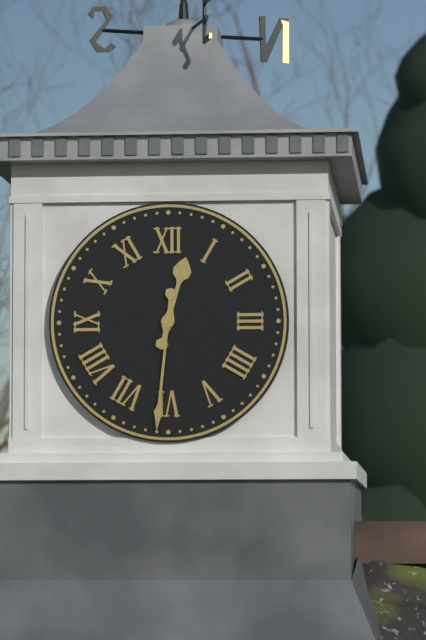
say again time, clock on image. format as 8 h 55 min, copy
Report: 12 h 31 min
